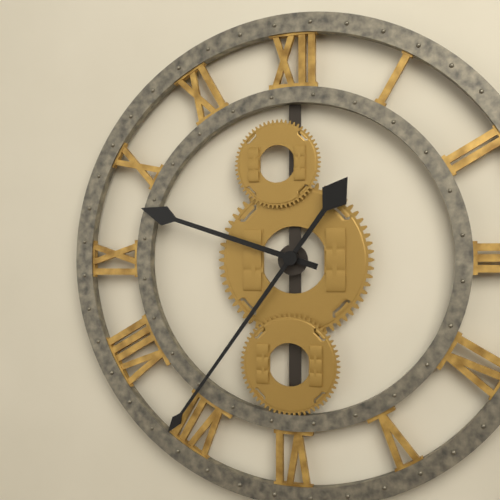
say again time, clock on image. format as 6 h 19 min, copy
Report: 9 h 36 min
